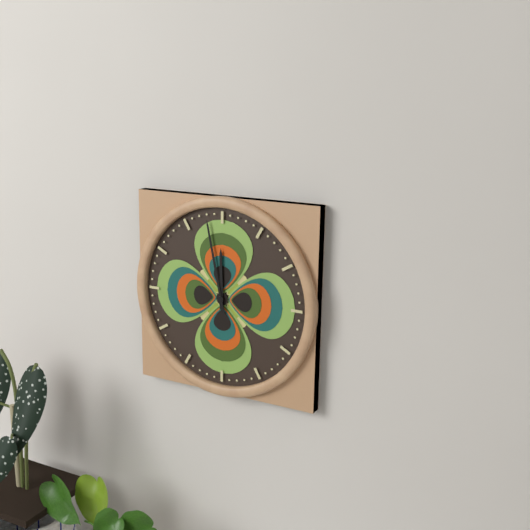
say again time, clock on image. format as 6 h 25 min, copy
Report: 11 h 58 min
